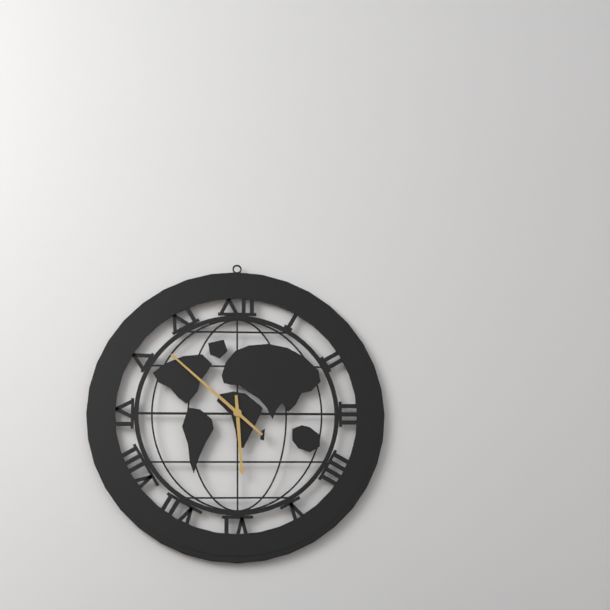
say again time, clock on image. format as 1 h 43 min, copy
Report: 5 h 52 min
